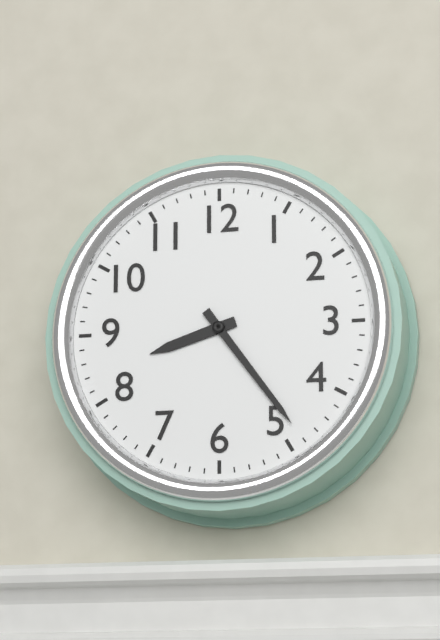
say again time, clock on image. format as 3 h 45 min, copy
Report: 8 h 24 min
